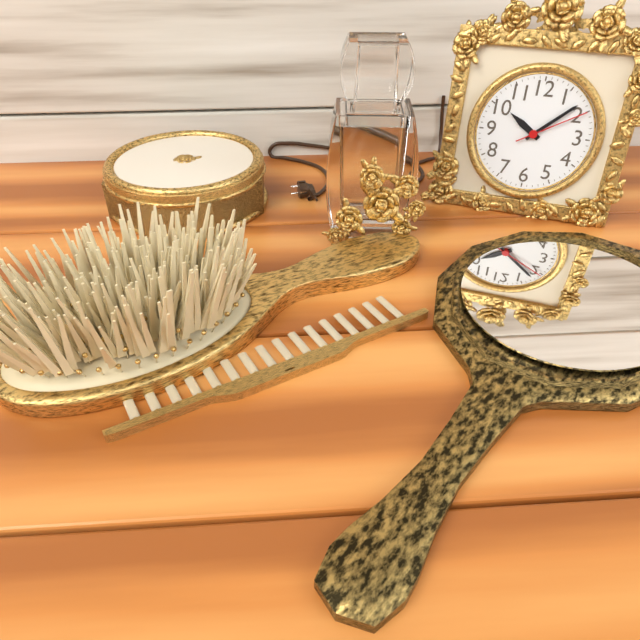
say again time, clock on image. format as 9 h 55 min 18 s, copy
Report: 10 h 08 min 10 s
